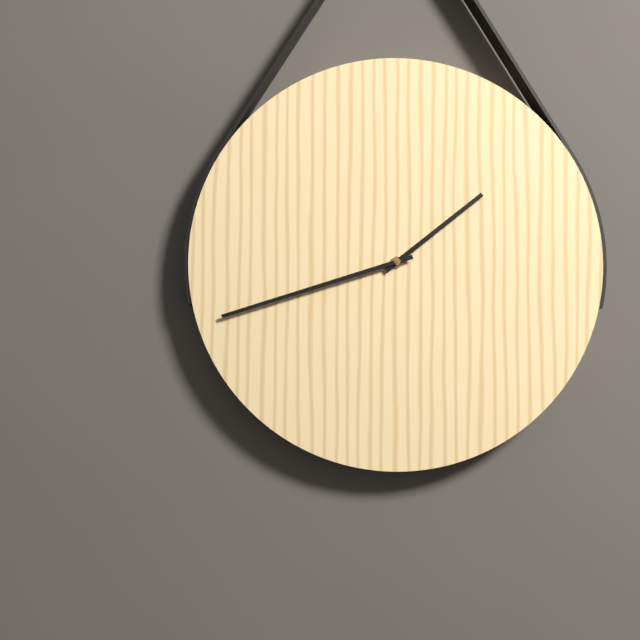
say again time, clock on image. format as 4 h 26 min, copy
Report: 1 h 42 min
